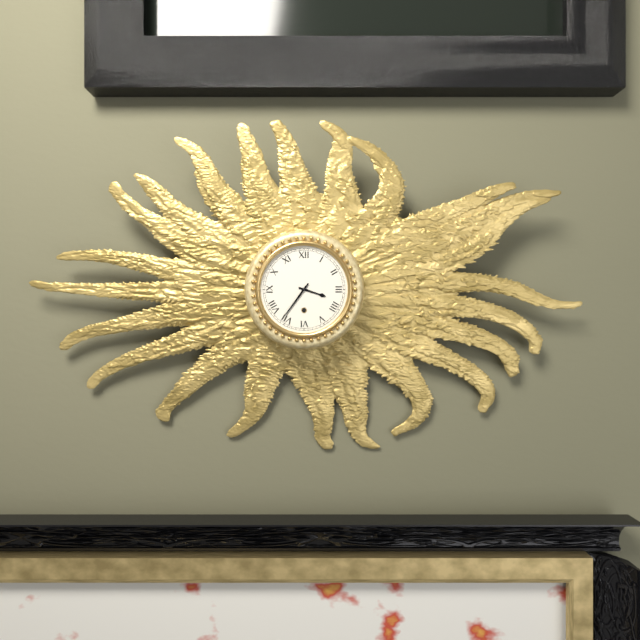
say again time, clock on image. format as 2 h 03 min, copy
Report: 3 h 36 min
